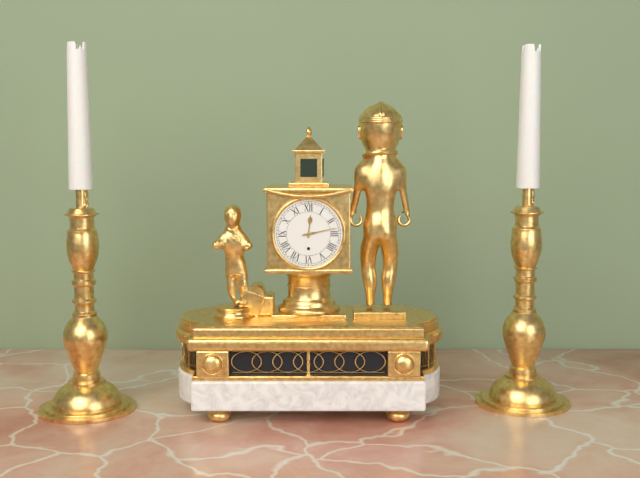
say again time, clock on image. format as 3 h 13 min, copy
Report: 12 h 13 min
